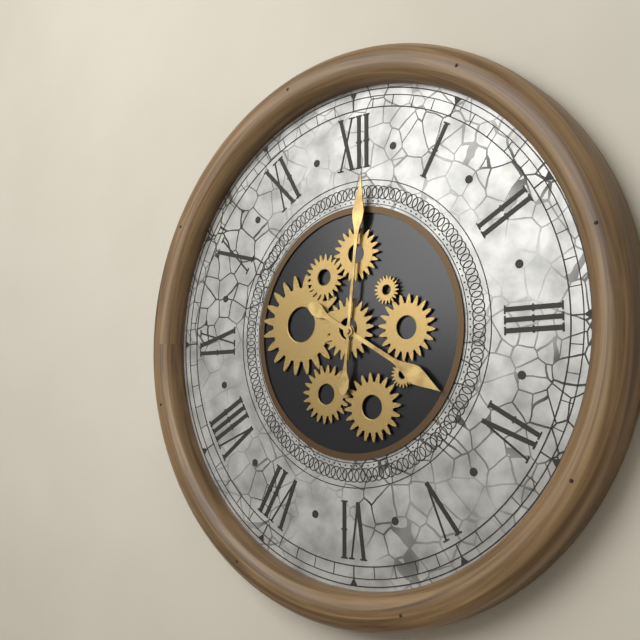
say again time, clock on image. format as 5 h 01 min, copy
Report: 4 h 01 min
